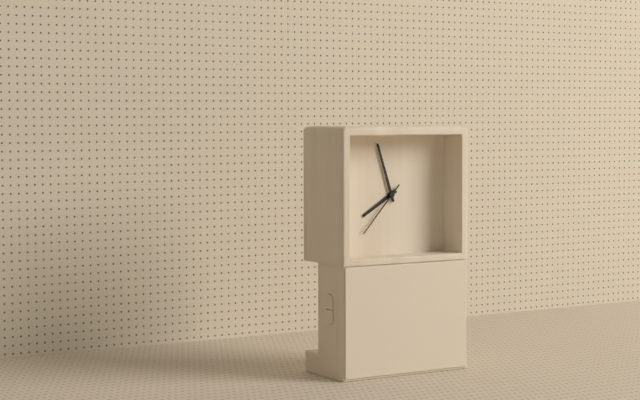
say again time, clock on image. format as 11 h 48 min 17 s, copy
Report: 7 h 57 min 37 s
